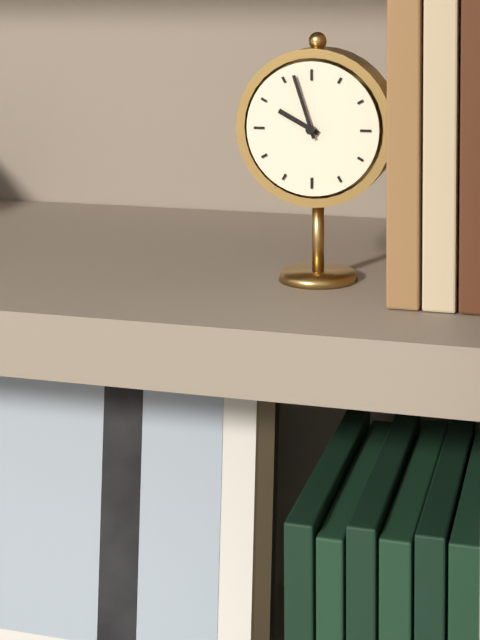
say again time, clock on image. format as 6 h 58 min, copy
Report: 9 h 57 min
